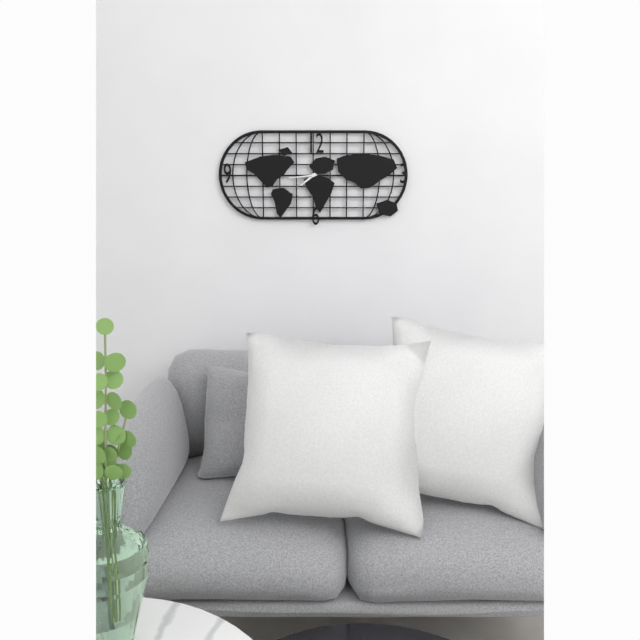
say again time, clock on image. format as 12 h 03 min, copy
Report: 7 h 44 min
